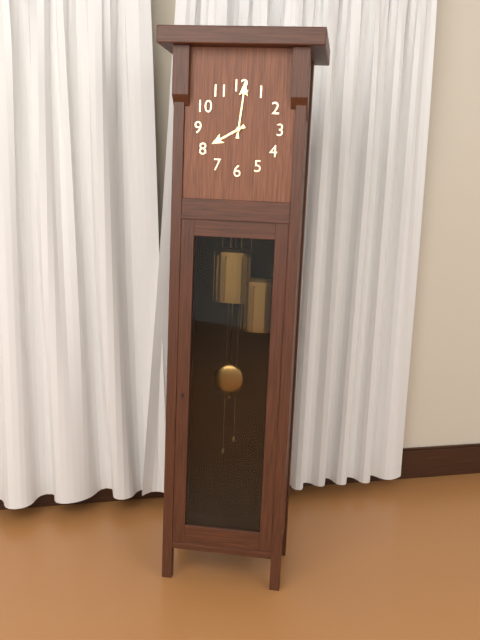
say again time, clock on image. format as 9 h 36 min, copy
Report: 8 h 01 min
